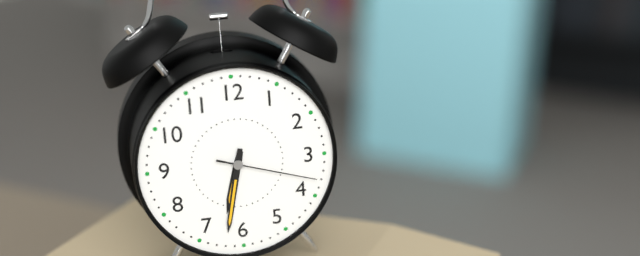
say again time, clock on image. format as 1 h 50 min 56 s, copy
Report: 6 h 32 min 18 s
